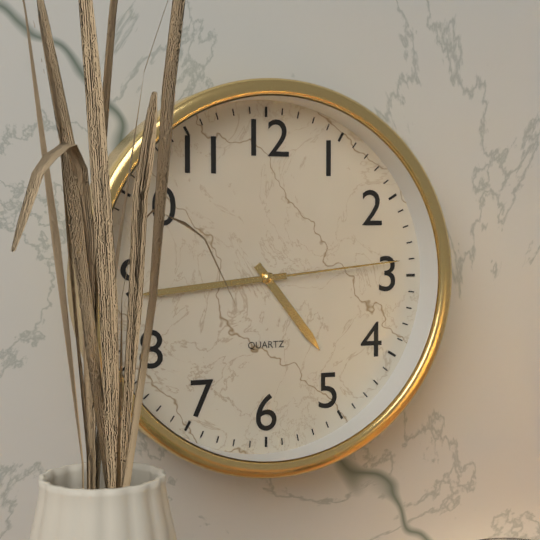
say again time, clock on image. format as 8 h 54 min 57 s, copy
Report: 4 h 44 min 14 s
